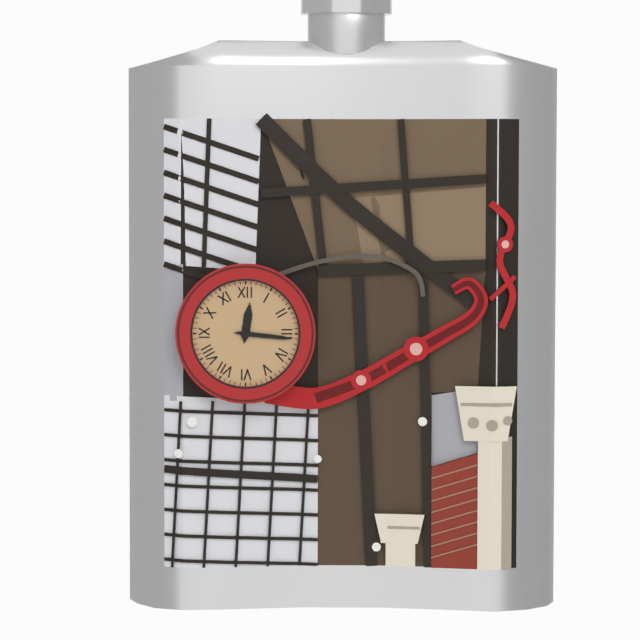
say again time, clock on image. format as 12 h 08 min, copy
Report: 12 h 16 min
